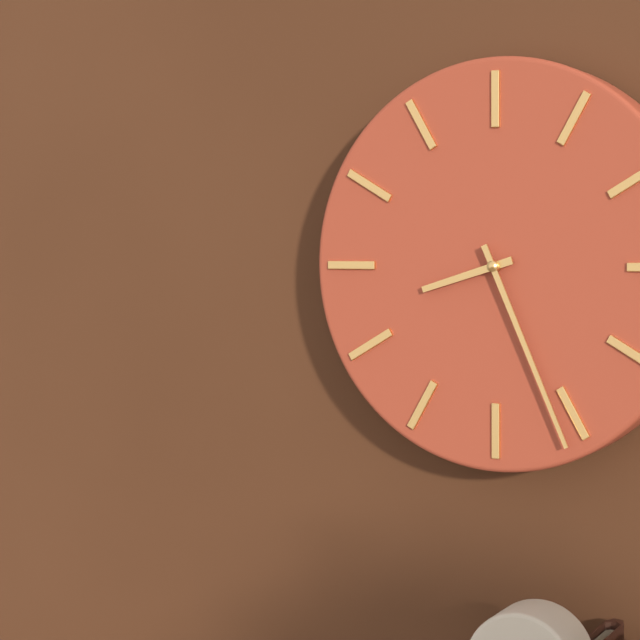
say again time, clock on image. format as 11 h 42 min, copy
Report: 8 h 26 min
